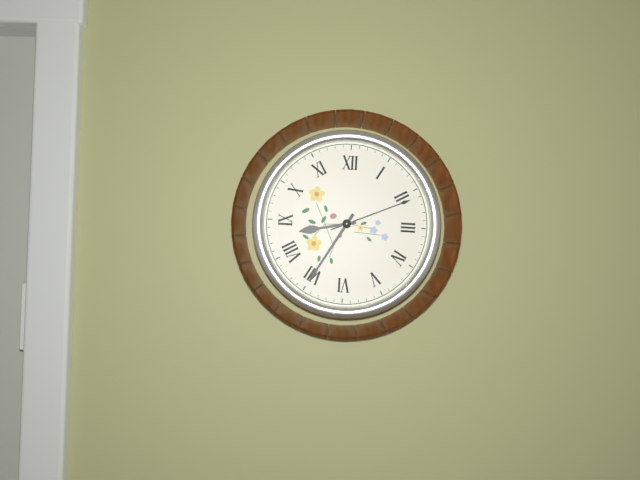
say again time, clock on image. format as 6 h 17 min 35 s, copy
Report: 8 h 35 min 11 s
